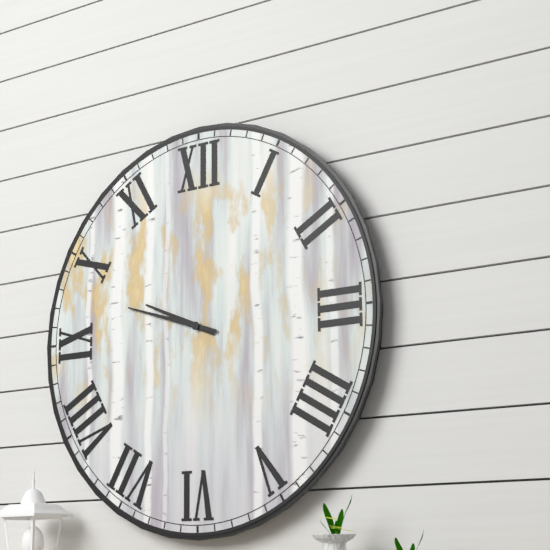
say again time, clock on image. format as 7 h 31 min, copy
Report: 9 h 48 min
